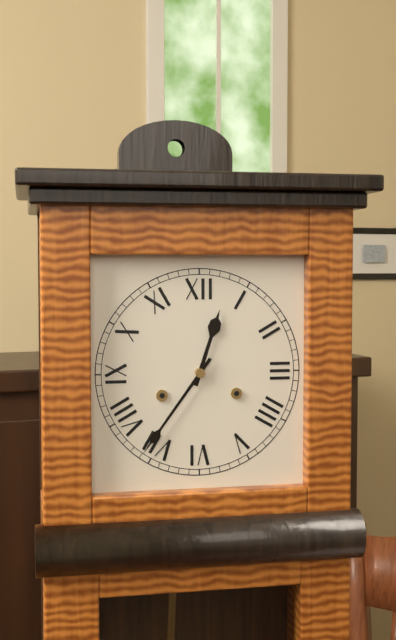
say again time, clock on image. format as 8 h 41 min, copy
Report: 12 h 36 min
